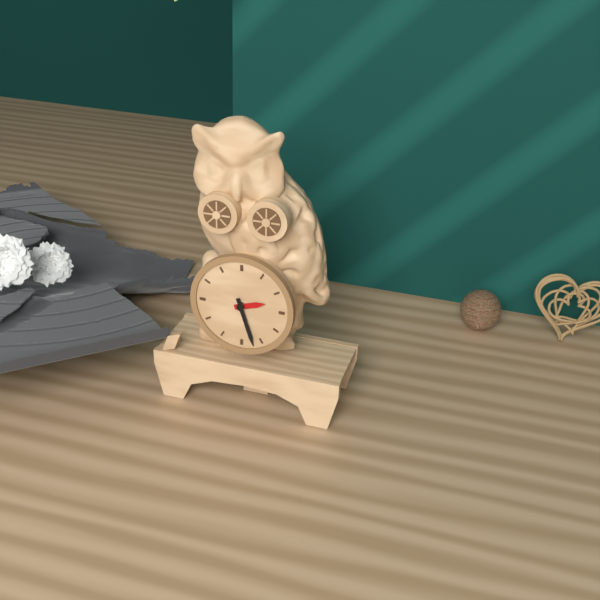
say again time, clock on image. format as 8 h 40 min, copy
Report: 2 h 27 min
